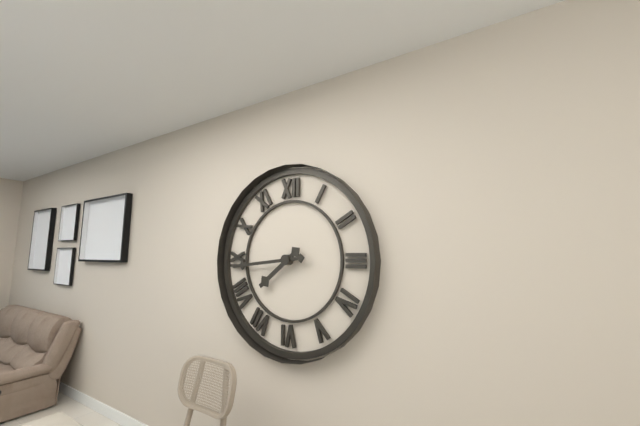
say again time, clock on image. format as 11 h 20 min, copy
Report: 7 h 44 min
